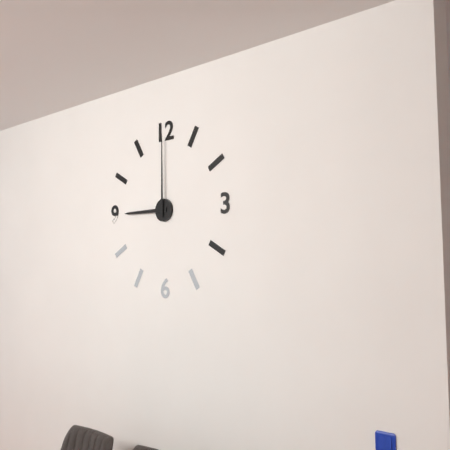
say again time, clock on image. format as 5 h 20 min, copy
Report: 9 h 00 min
